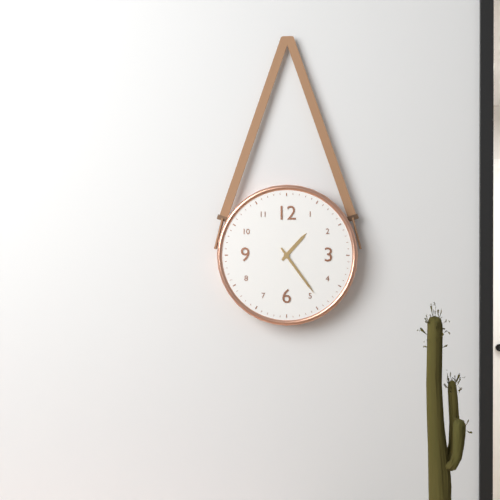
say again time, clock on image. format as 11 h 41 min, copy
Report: 1 h 24 min
